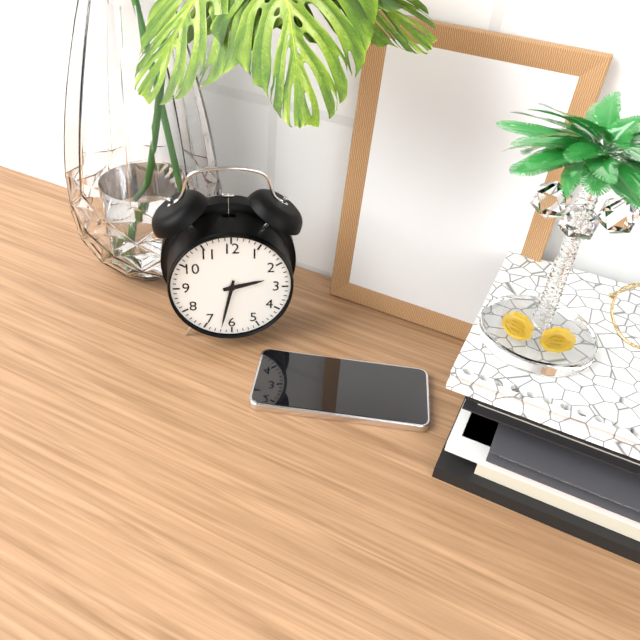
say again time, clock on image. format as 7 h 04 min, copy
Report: 2 h 32 min
